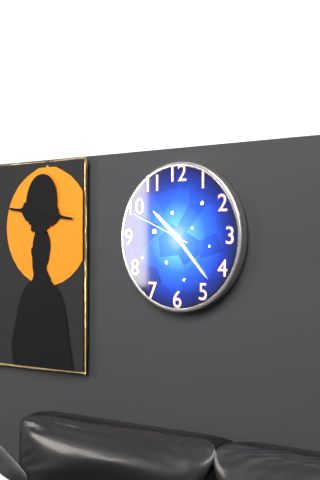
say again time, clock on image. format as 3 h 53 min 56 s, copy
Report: 10 h 23 min 49 s
